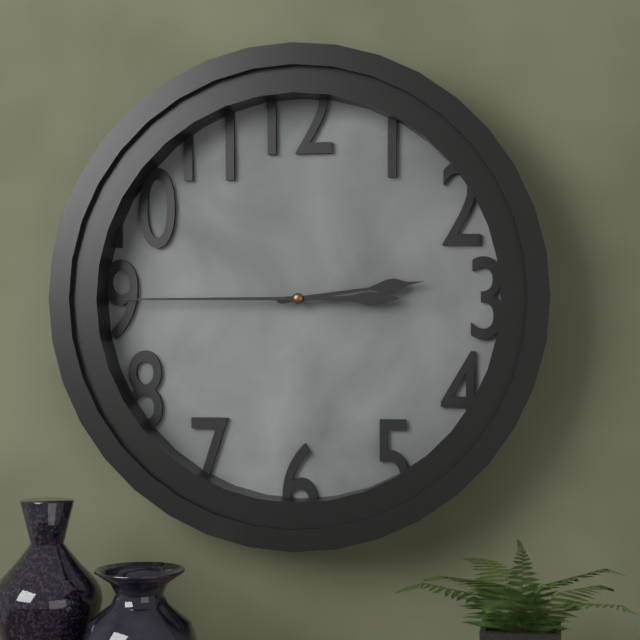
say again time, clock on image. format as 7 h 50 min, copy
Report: 2 h 45 min
